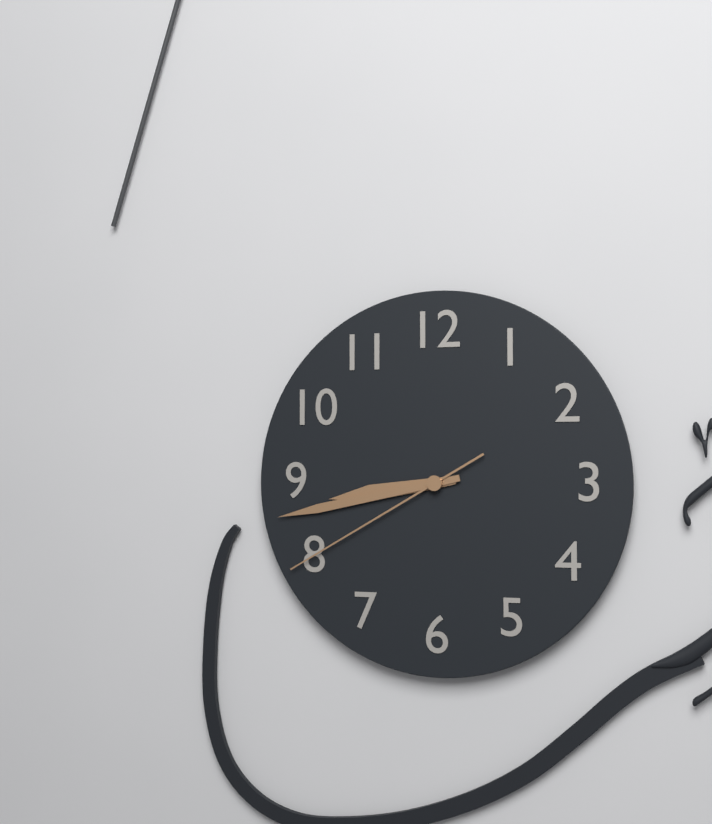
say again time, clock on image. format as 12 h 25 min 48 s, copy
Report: 8 h 43 min 40 s
